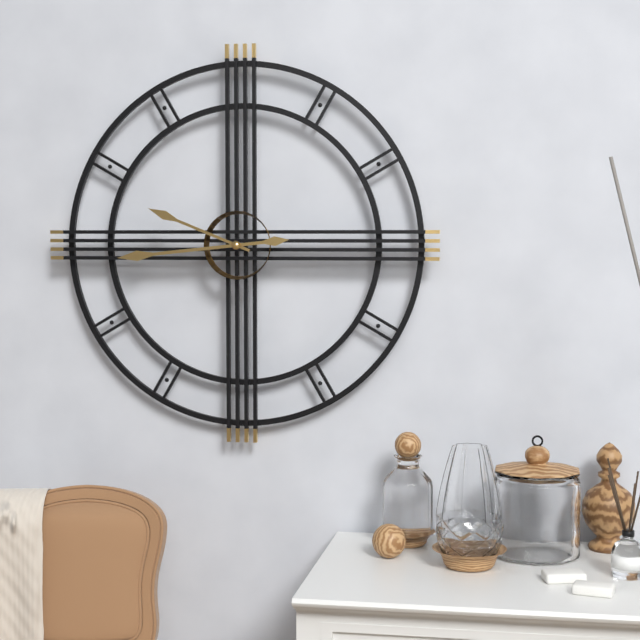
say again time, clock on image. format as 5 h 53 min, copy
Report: 9 h 44 min
